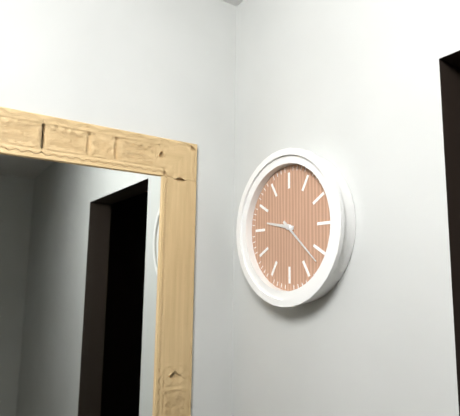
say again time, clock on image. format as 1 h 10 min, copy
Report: 9 h 22 min
